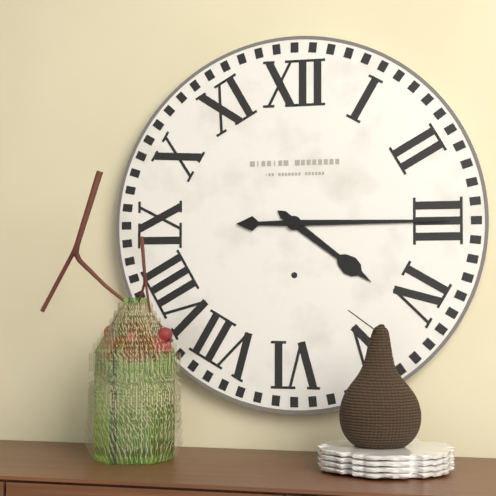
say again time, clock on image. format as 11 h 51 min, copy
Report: 4 h 15 min
